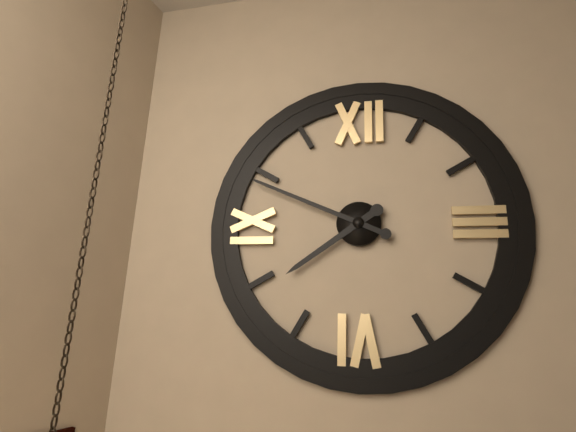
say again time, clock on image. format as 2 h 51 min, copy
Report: 7 h 49 min
